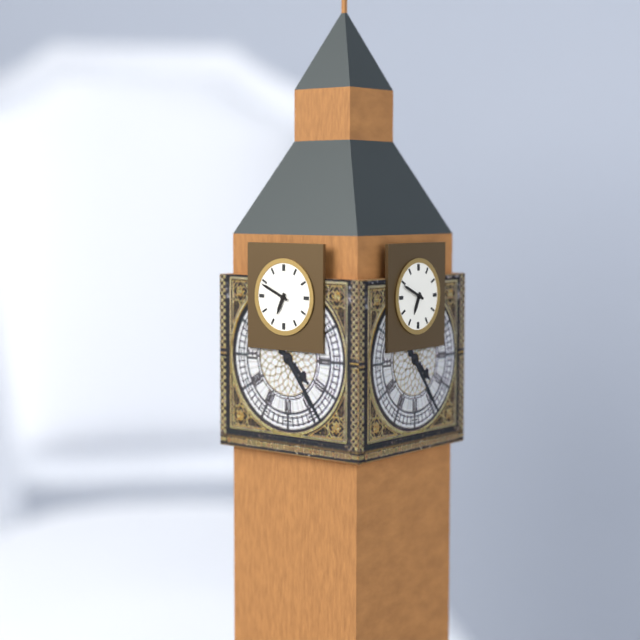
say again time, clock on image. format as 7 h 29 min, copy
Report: 6 h 49 min
